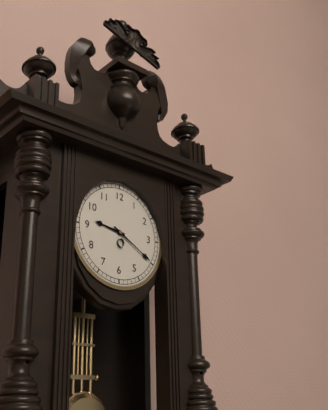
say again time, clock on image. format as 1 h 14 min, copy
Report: 9 h 20 min
